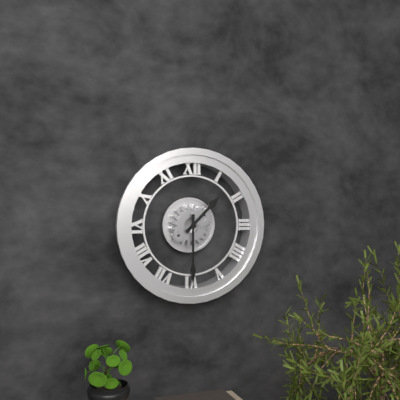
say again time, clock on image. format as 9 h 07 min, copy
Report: 1 h 30 min
